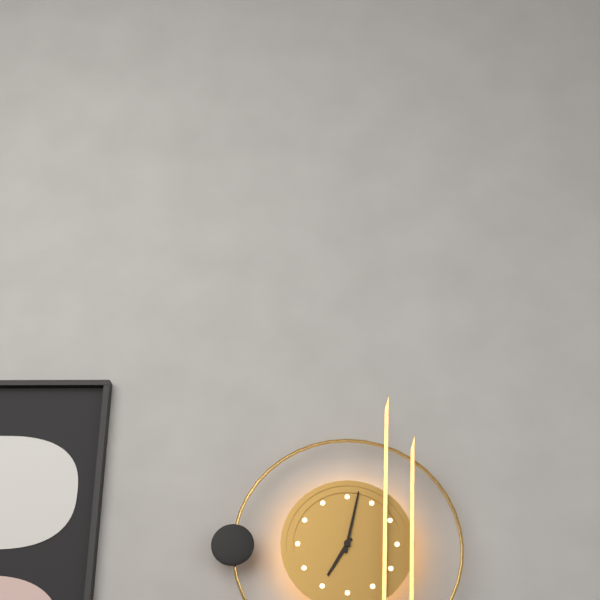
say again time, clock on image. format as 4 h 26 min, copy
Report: 7 h 02 min
